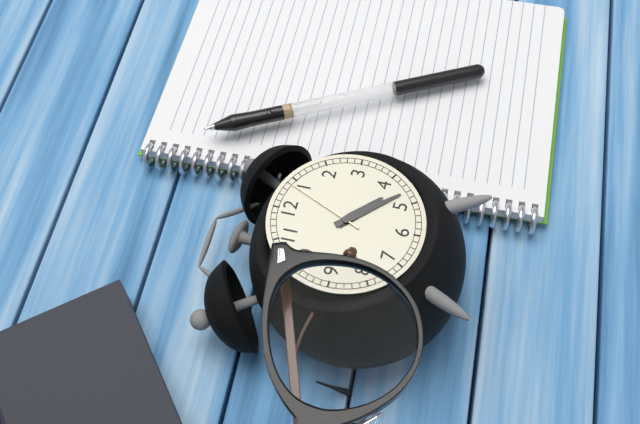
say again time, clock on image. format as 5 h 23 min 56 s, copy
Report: 4 h 23 min 04 s
